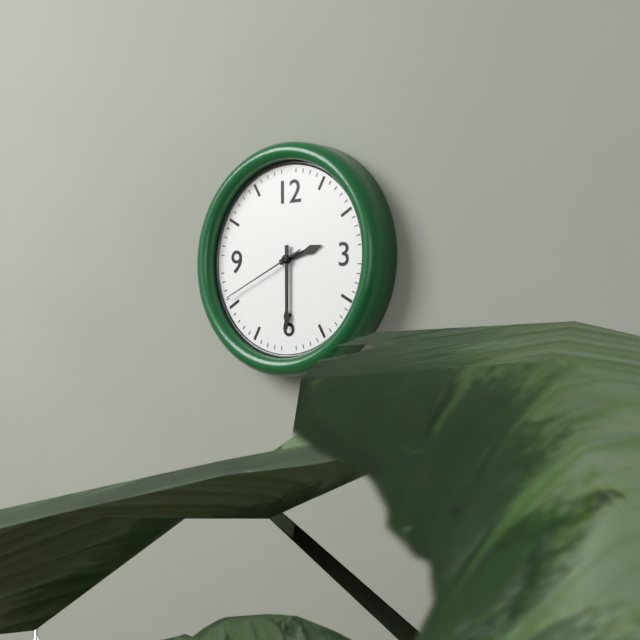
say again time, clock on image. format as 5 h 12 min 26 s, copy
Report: 2 h 30 min 41 s
